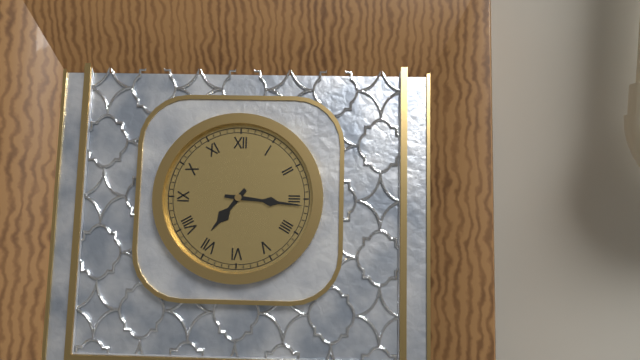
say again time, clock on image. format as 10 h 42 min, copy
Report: 7 h 16 min
